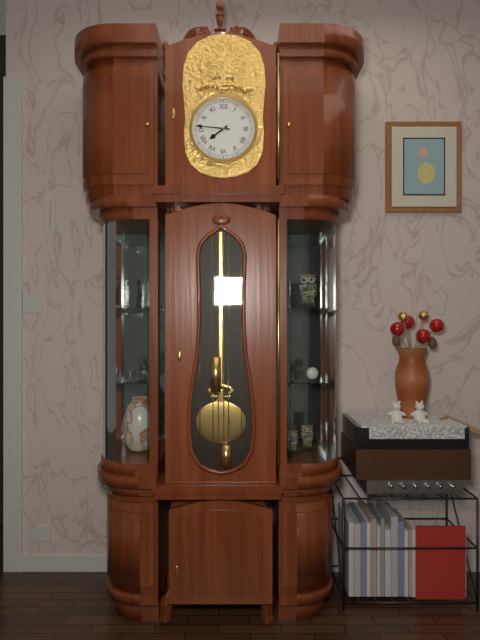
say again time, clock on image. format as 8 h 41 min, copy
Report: 7 h 46 min
